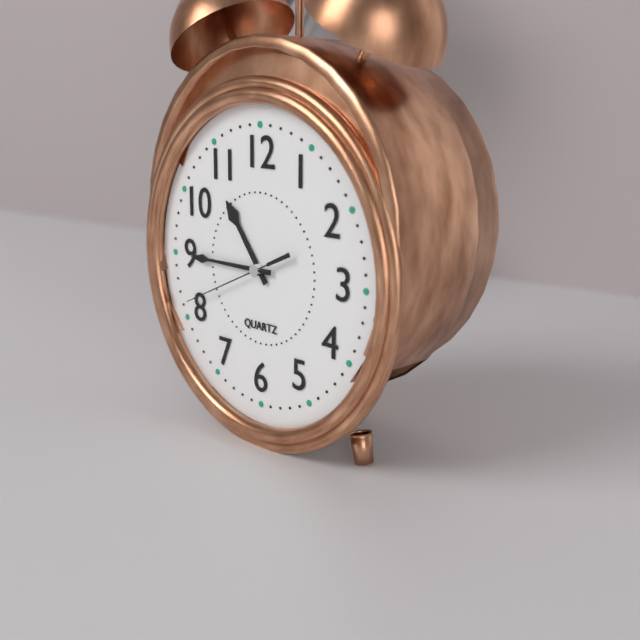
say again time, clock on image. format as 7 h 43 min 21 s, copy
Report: 10 h 45 min 41 s
